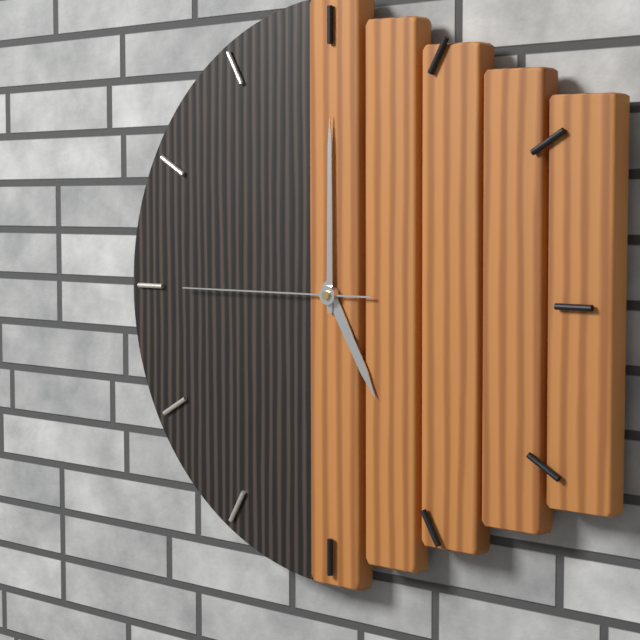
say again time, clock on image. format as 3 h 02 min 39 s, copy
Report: 5 h 00 min 45 s
